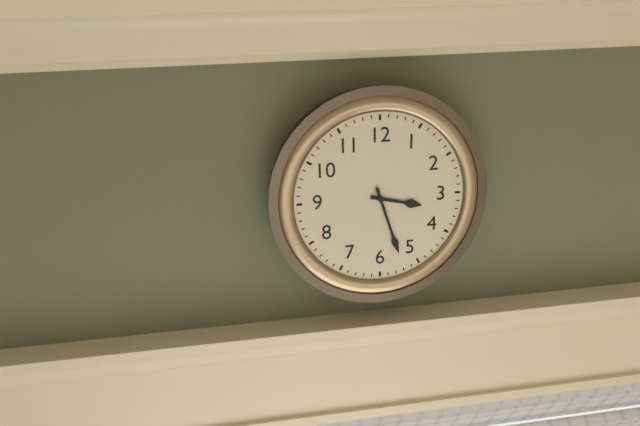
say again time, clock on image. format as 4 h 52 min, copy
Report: 3 h 27 min
